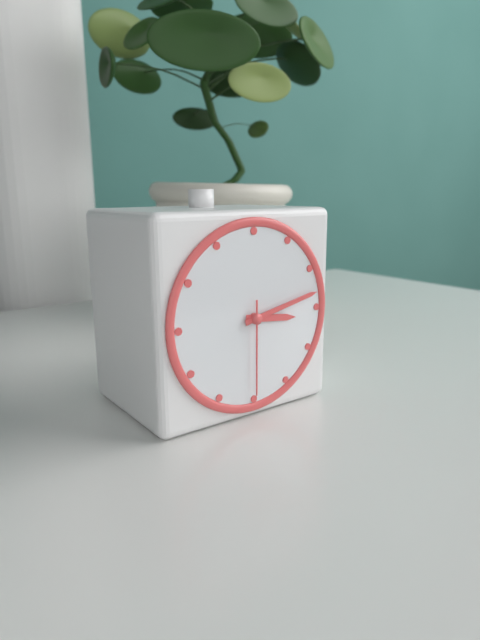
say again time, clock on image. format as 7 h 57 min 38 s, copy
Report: 3 h 13 min 30 s
